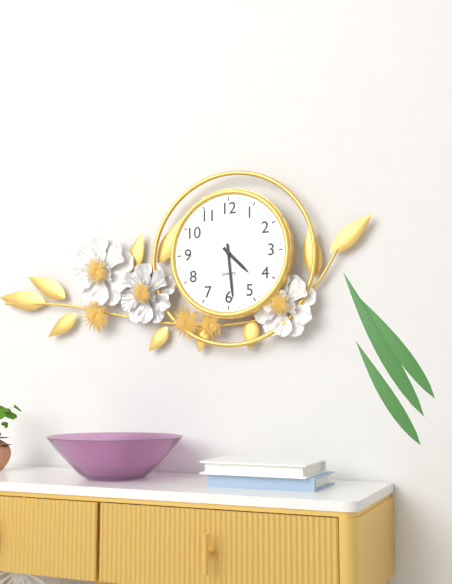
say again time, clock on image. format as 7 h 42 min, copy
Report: 4 h 29 min
